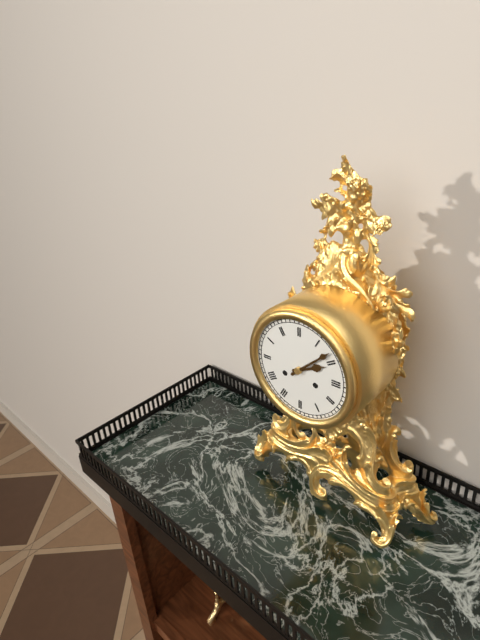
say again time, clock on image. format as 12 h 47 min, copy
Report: 2 h 08 min
